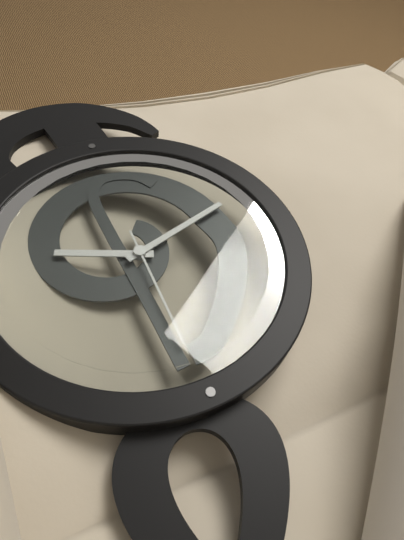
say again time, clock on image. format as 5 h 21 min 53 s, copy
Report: 3 h 42 min 00 s
